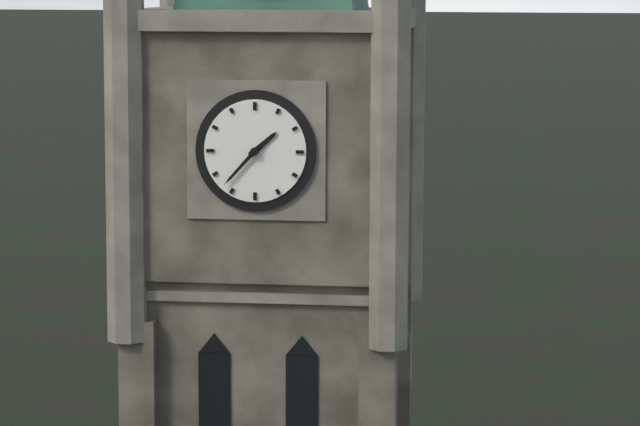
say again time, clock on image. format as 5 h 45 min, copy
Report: 1 h 37 min
